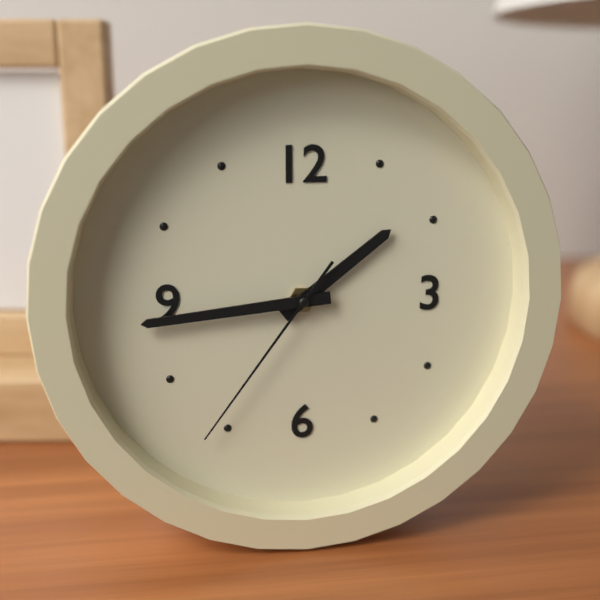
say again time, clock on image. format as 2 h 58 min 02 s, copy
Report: 1 h 44 min 36 s
